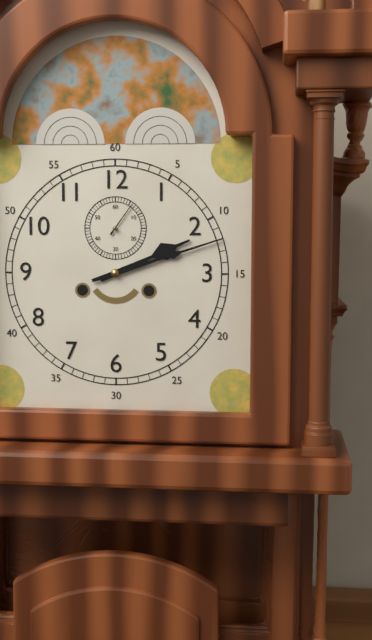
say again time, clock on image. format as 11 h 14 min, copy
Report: 2 h 12 min
